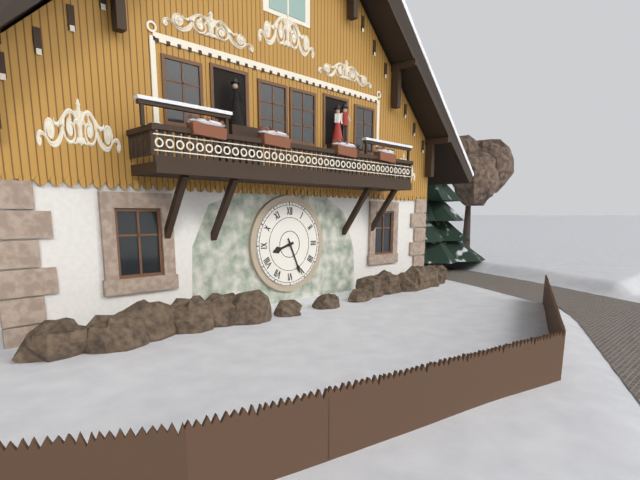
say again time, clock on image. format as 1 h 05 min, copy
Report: 8 h 26 min
